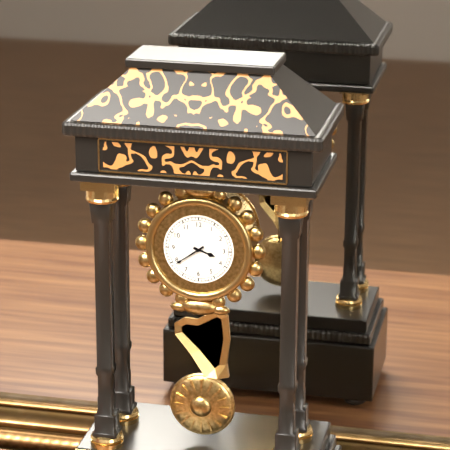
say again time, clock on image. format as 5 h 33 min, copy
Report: 3 h 39 min
